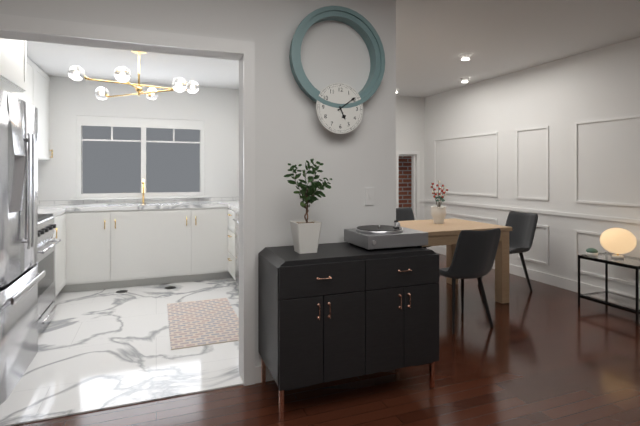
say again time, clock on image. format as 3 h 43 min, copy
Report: 5 h 09 min
